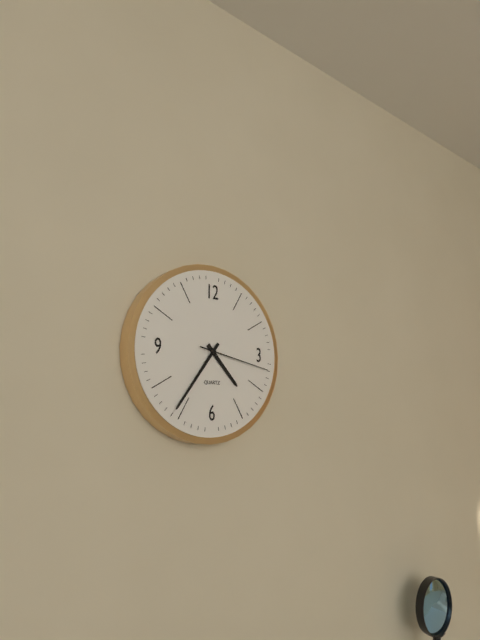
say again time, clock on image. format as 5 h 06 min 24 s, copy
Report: 4 h 36 min 17 s
